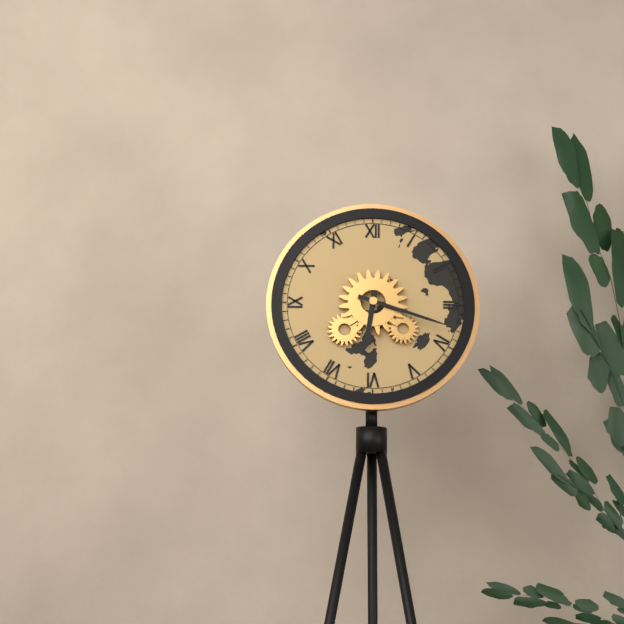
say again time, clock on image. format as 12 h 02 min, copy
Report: 6 h 18 min
